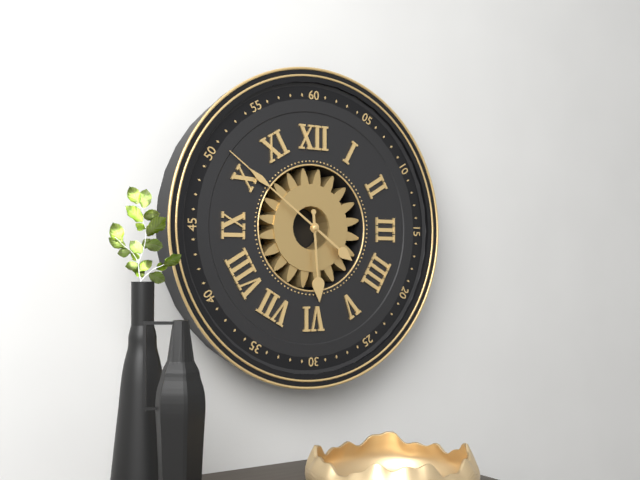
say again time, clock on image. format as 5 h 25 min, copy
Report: 5 h 51 min
